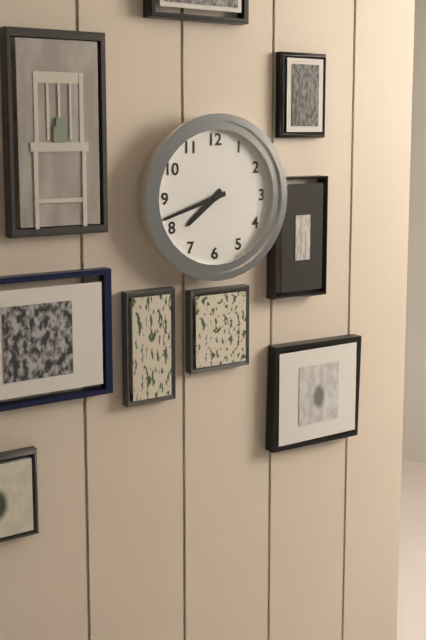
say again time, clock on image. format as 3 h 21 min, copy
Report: 7 h 42 min
